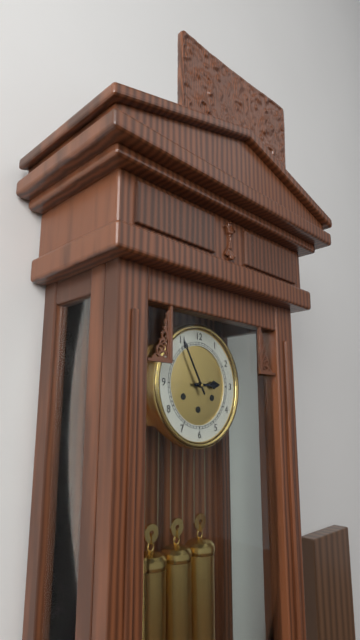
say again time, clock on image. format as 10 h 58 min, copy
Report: 2 h 55 min
